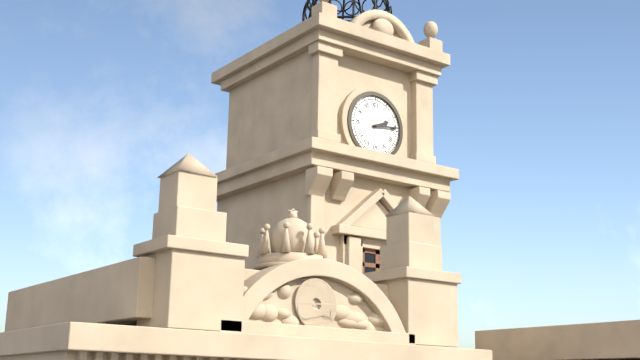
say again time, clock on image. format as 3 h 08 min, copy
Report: 2 h 14 min
